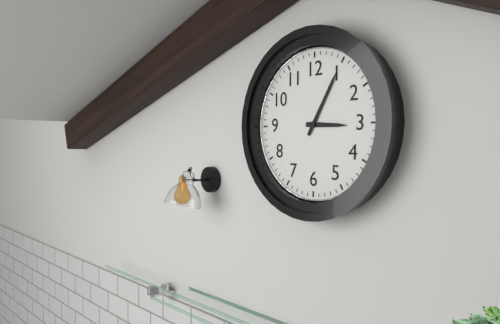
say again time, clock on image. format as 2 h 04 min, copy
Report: 3 h 05 min
